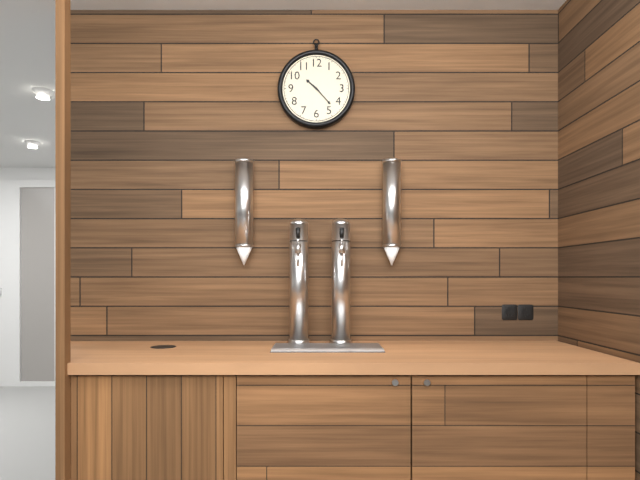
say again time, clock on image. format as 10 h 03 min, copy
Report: 10 h 23 min
